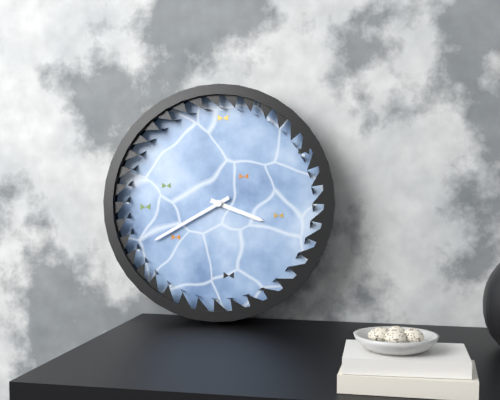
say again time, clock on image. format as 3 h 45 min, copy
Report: 3 h 40 min
